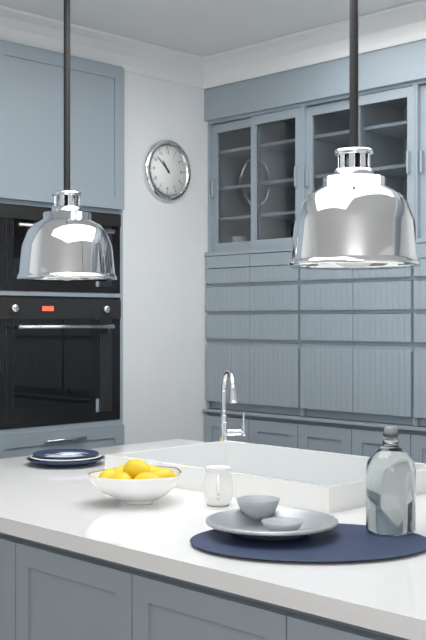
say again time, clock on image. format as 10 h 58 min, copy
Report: 10 h 52 min
